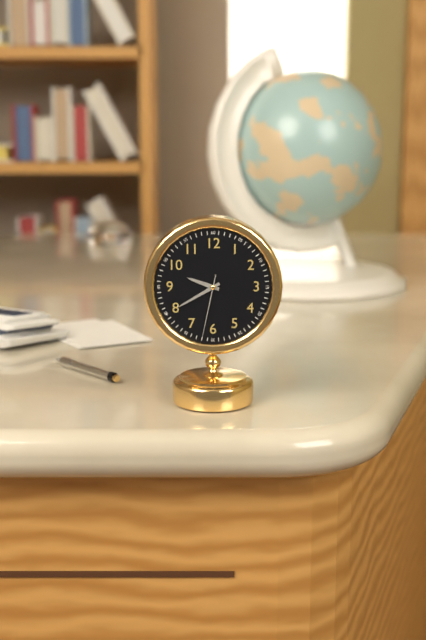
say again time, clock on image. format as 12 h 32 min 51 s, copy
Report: 9 h 40 min 32 s
